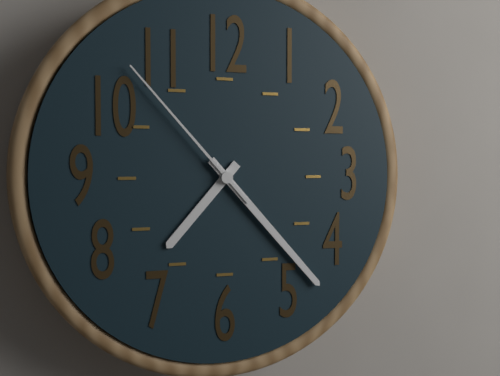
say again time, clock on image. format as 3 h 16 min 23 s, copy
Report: 7 h 23 min 53 s
